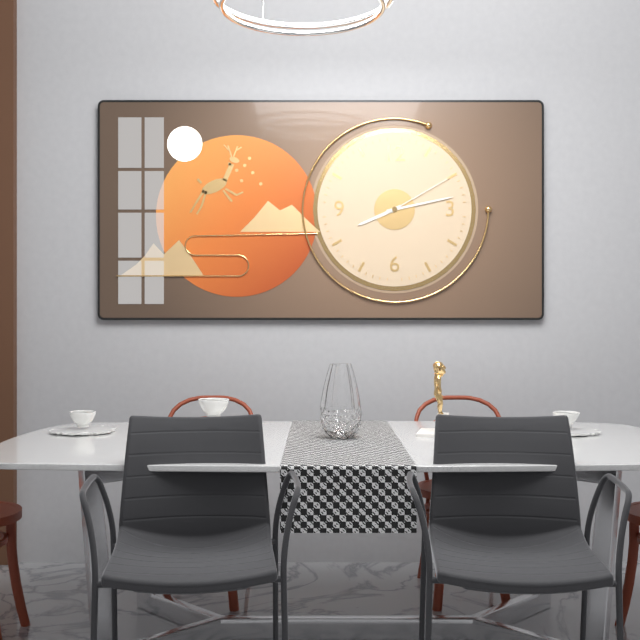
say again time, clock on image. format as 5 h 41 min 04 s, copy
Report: 8 h 13 min 10 s
